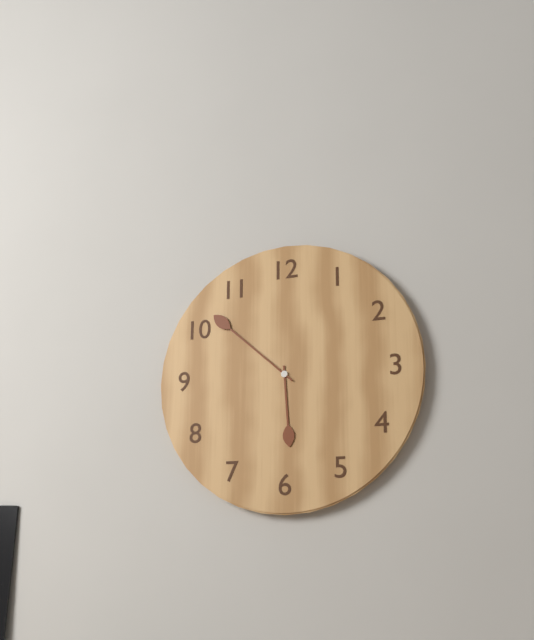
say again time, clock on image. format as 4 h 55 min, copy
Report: 5 h 52 min
